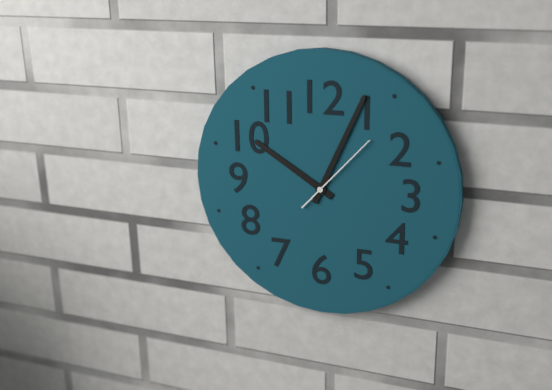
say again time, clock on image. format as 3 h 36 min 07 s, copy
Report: 10 h 04 min 07 s
